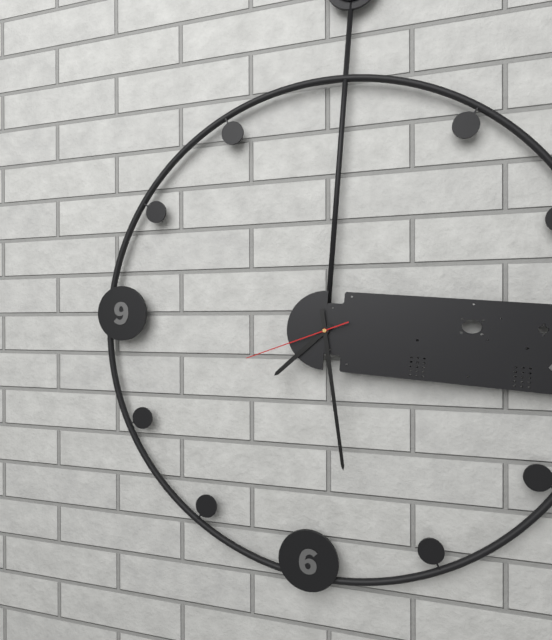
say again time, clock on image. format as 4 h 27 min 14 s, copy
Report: 7 h 28 min 41 s
